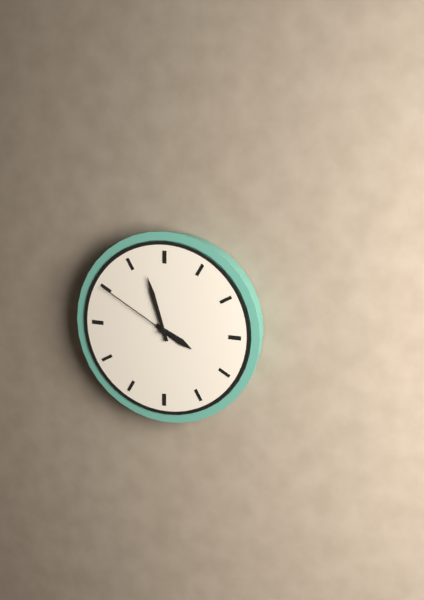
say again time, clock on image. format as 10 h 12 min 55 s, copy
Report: 3 h 57 min 50 s
